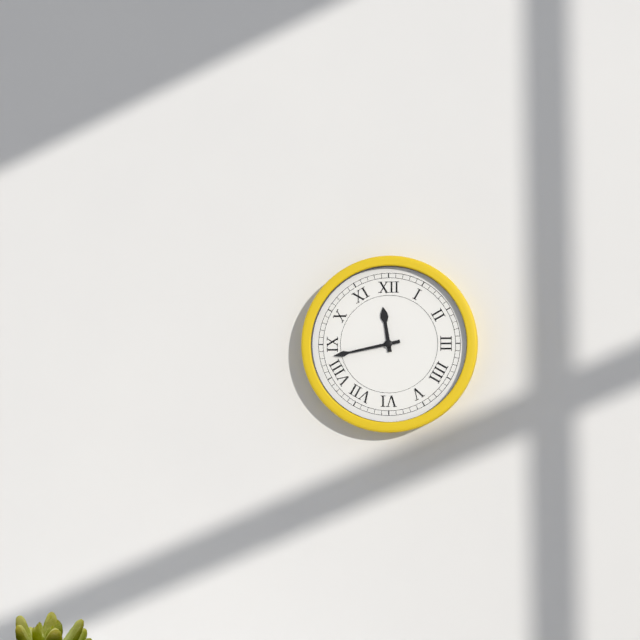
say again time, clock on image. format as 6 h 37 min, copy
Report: 11 h 43 min
